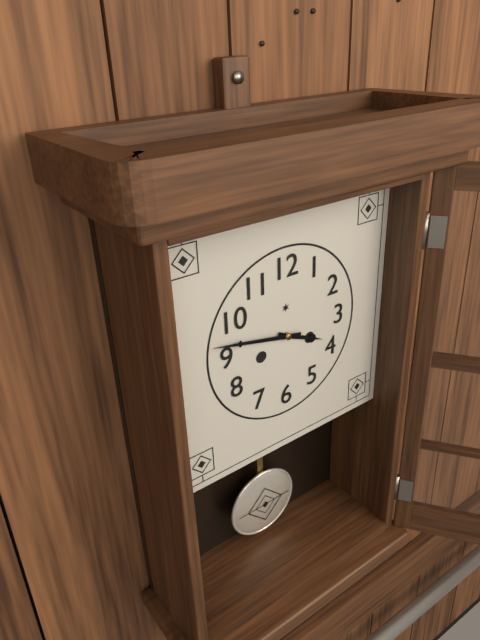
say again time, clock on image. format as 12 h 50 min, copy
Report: 3 h 47 min
